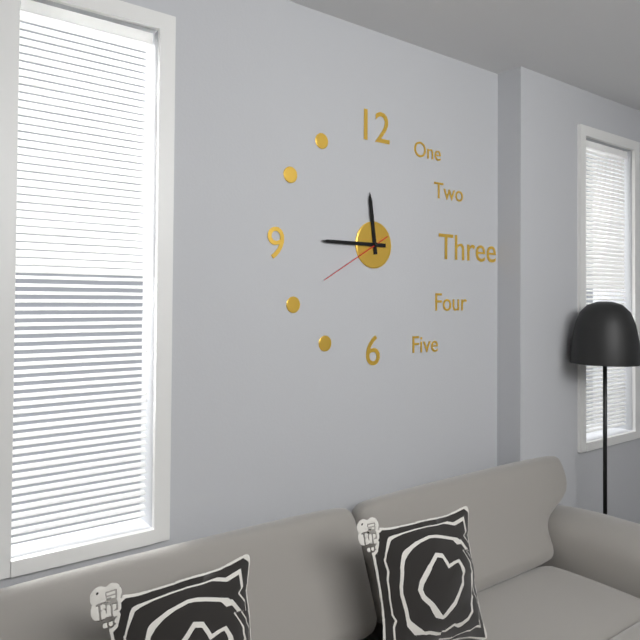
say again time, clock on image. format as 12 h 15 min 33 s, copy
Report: 11 h 45 min 40 s
